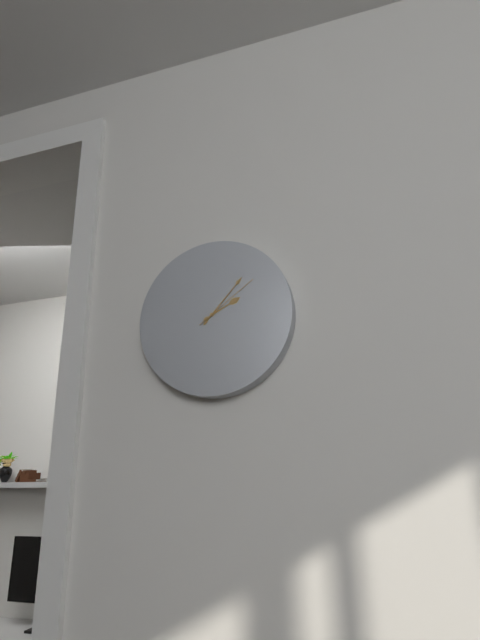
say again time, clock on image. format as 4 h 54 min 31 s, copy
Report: 2 h 07 min 09 s
